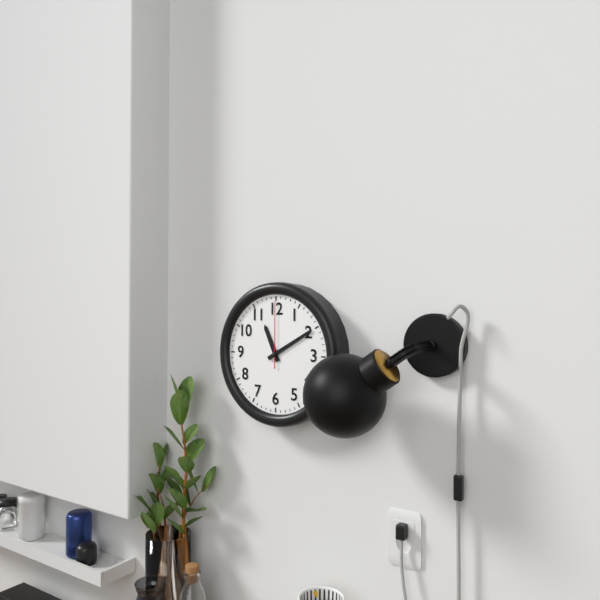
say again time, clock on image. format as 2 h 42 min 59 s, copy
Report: 11 h 10 min 00 s
